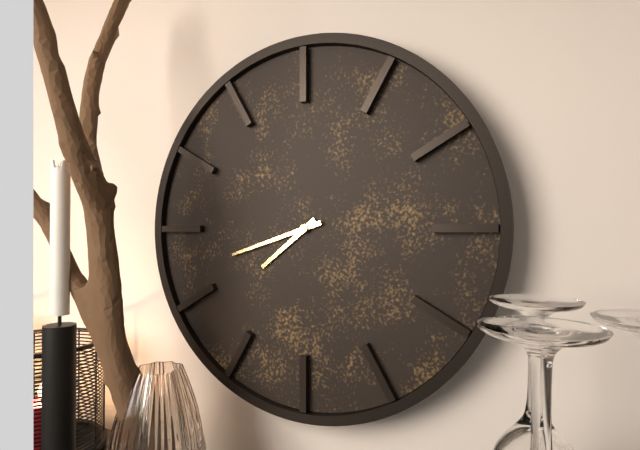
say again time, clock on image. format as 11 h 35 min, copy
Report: 7 h 42 min
